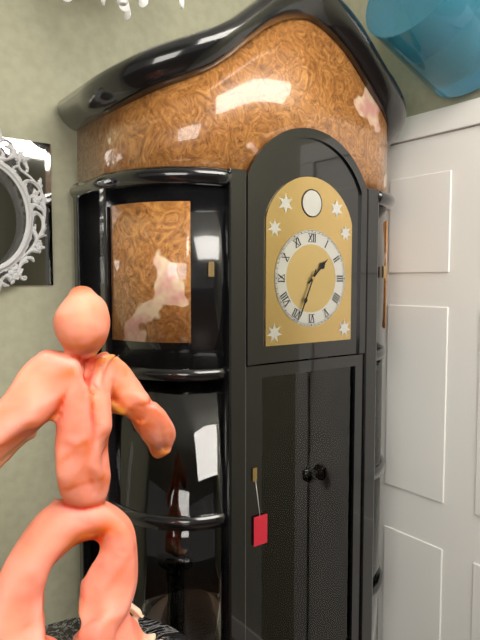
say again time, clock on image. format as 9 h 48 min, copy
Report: 1 h 34 min
